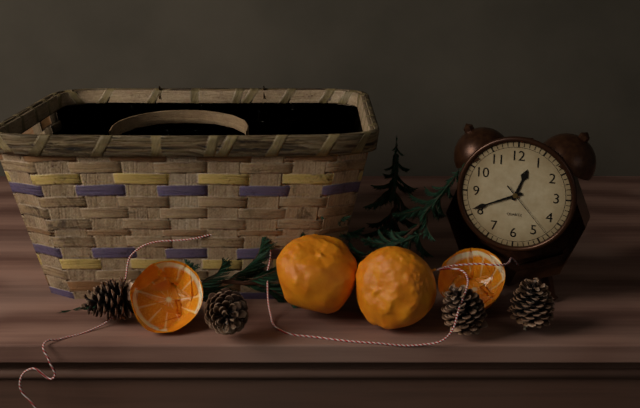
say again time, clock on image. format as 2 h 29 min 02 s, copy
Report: 12 h 41 min 23 s
